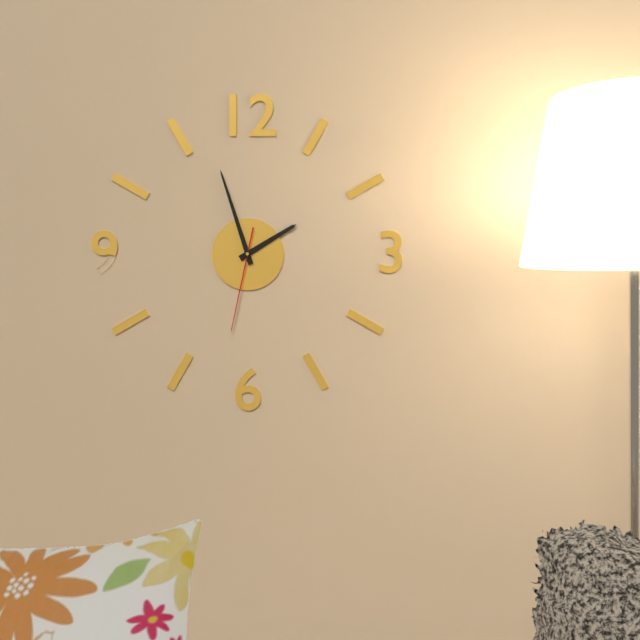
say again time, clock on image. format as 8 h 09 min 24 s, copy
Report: 1 h 57 min 32 s
